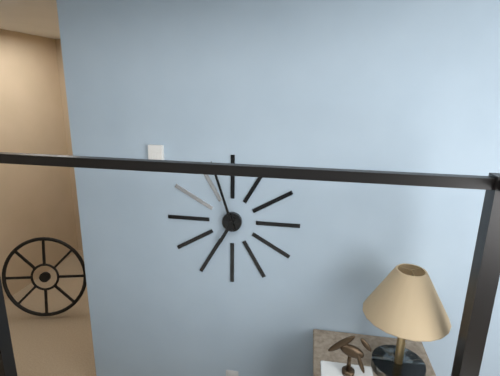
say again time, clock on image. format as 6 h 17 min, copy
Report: 6 h 57 min
